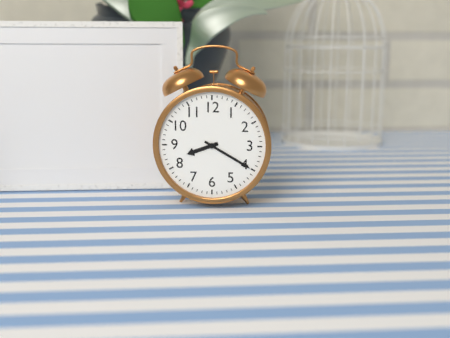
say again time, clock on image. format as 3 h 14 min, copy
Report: 8 h 20 min
